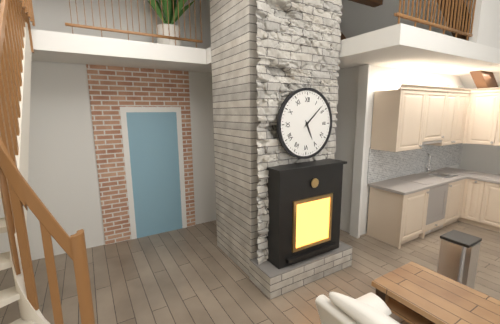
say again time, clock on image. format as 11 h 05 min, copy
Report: 5 h 08 min
